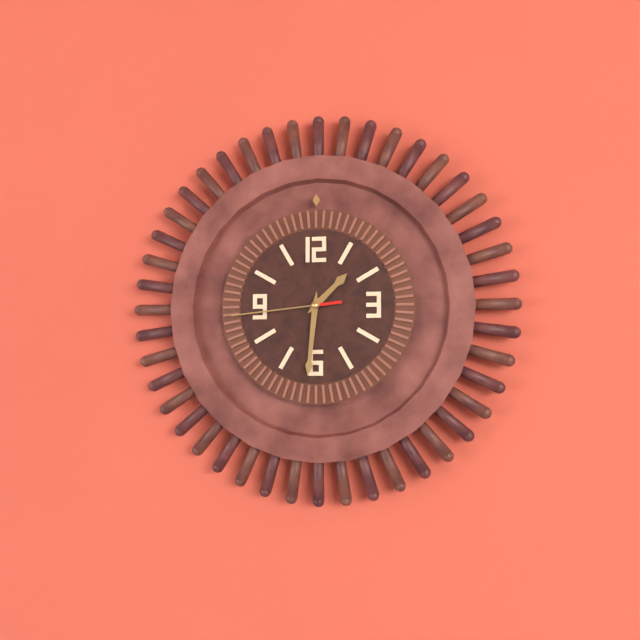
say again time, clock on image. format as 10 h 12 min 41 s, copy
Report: 1 h 31 min 44 s
